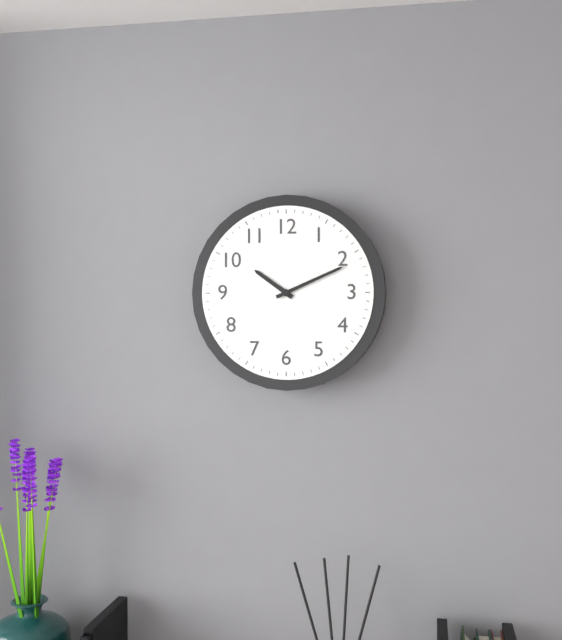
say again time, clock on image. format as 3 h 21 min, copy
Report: 10 h 11 min
